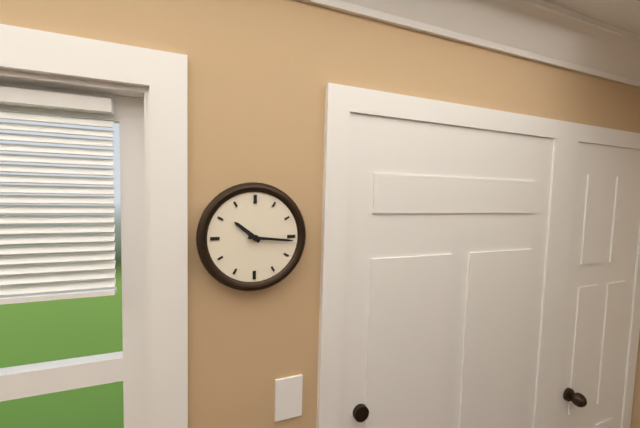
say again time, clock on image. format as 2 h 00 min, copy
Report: 10 h 16 min
